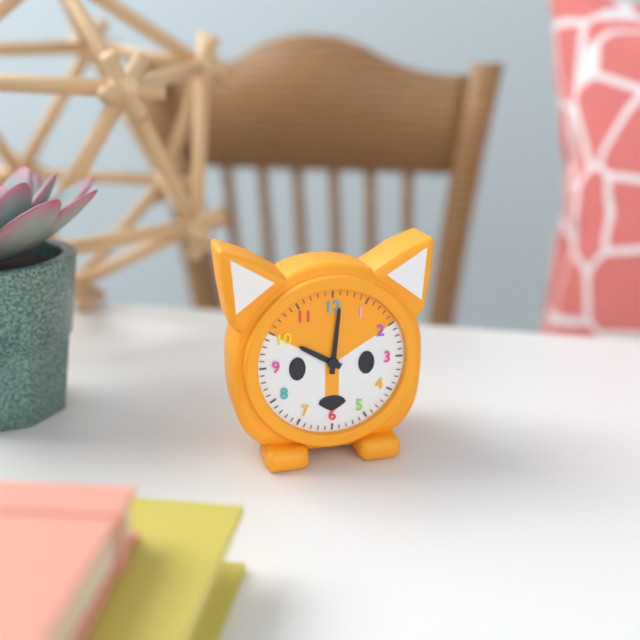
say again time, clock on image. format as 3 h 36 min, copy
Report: 10 h 01 min
